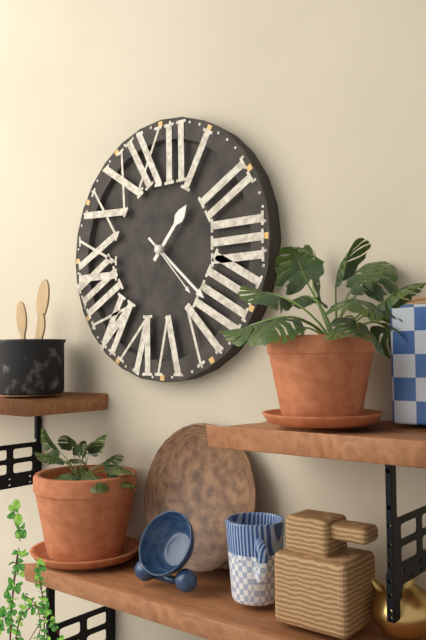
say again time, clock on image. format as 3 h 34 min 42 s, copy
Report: 1 h 22 min 23 s
